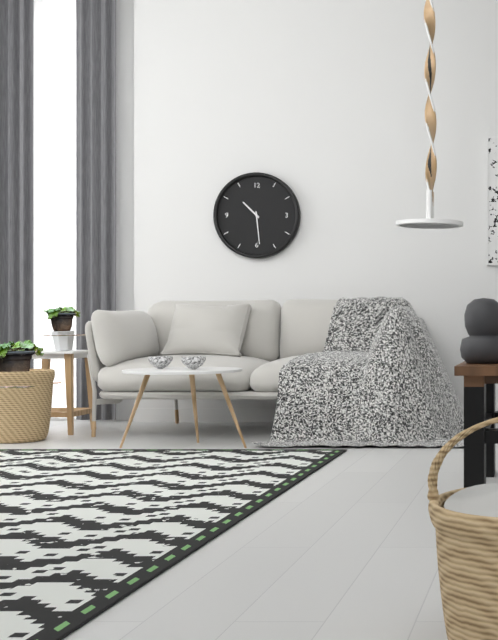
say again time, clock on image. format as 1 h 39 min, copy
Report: 10 h 29 min
